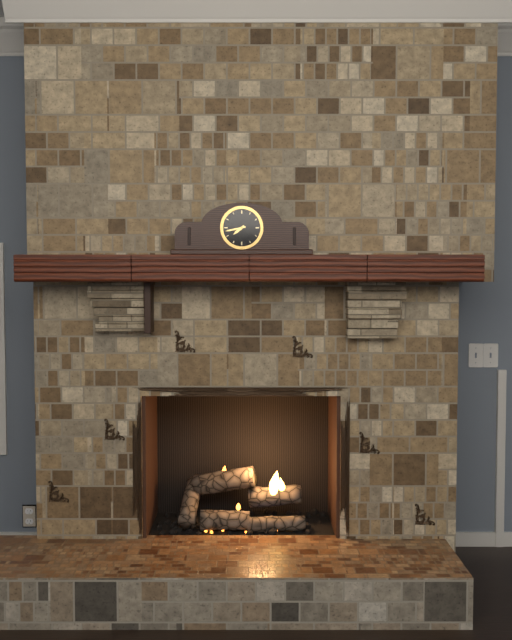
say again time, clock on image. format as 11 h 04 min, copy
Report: 7 h 43 min
